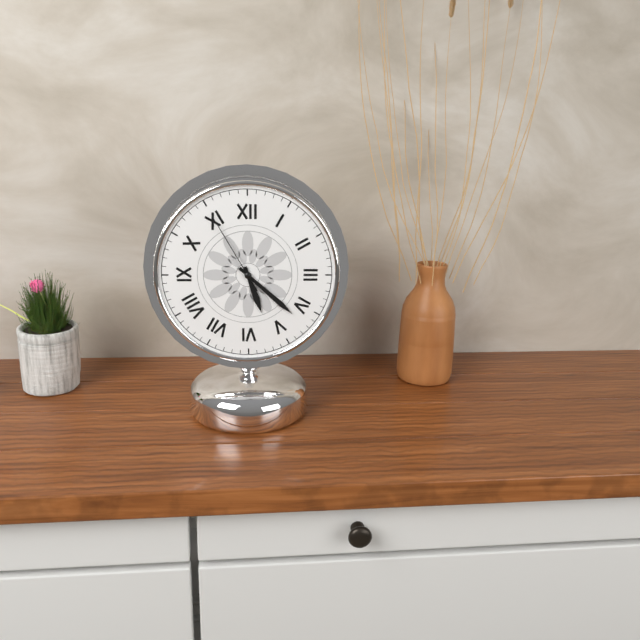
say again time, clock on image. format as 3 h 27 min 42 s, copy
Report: 5 h 22 min 55 s
